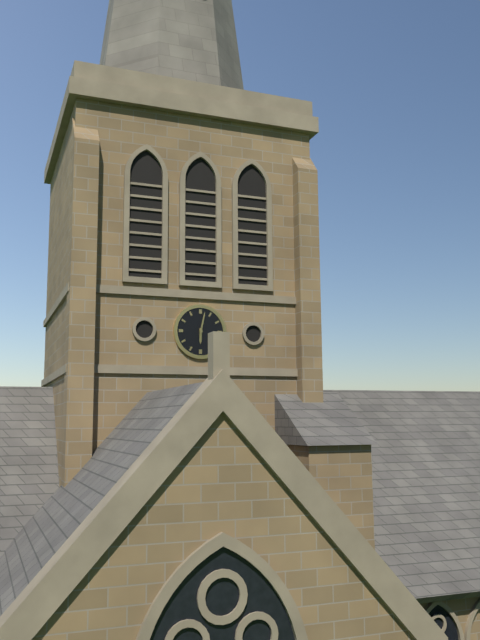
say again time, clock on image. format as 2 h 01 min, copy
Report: 6 h 02 min
